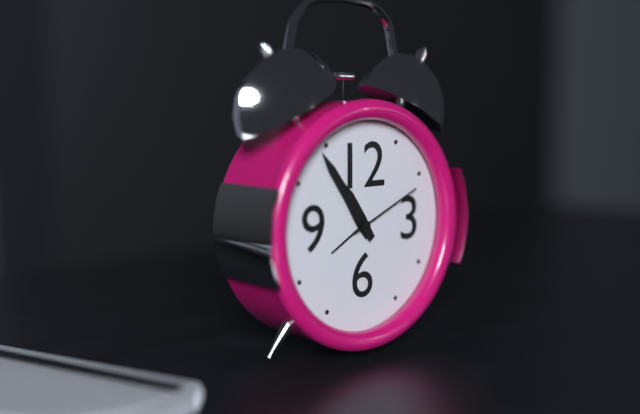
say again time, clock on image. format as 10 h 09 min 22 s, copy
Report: 10 h 54 min 11 s
